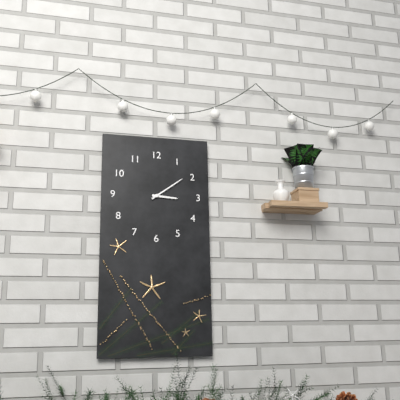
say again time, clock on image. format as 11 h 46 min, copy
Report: 3 h 09 min
